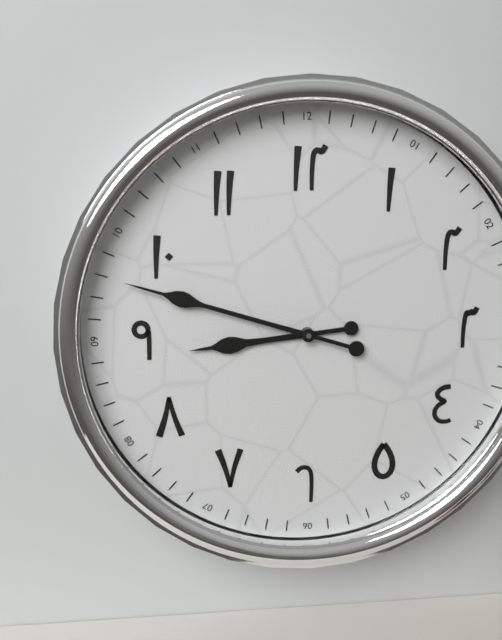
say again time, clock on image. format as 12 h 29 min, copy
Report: 8 h 48 min
